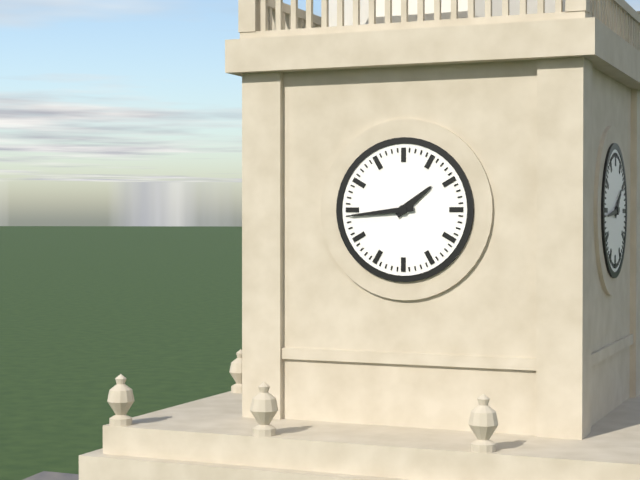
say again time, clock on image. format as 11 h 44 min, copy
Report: 1 h 44 min
